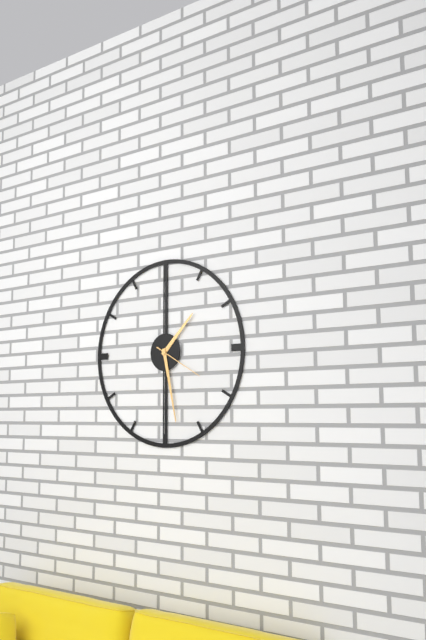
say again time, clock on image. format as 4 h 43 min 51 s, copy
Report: 1 h 28 min 20 s
